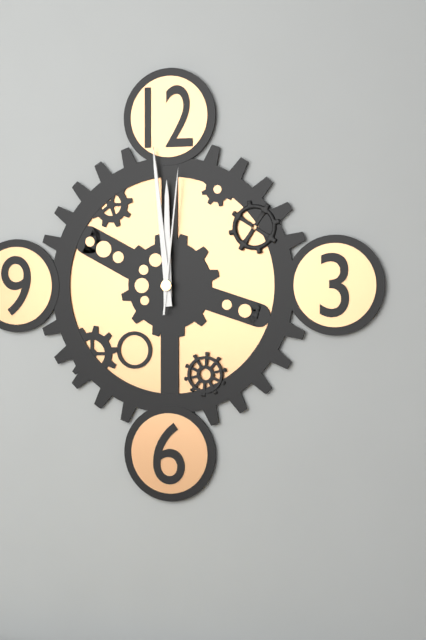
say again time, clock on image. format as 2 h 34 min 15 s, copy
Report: 11 h 59 min 01 s
